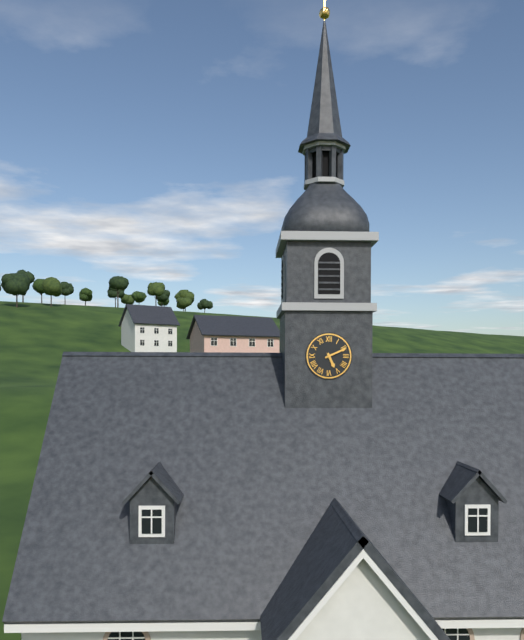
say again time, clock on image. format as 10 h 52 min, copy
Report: 5 h 11 min
